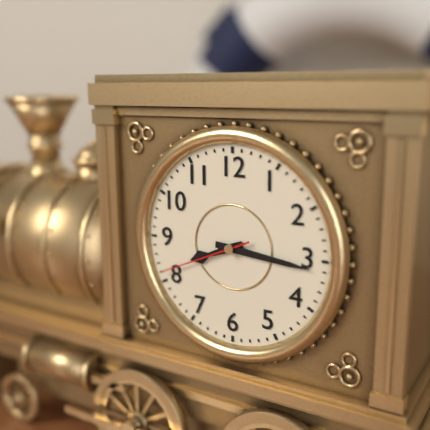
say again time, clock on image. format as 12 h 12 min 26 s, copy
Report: 8 h 16 min 41 s
